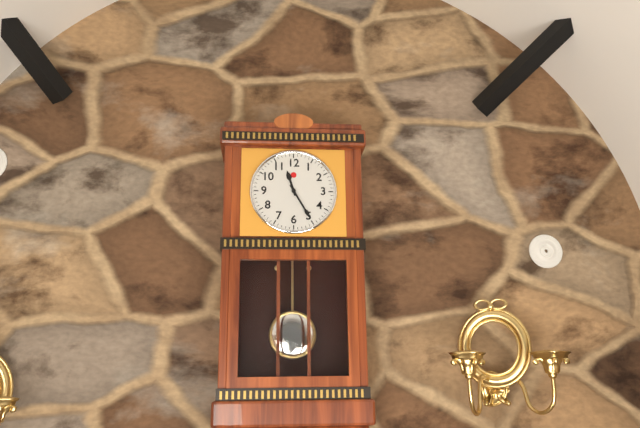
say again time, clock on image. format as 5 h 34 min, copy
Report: 11 h 25 min
